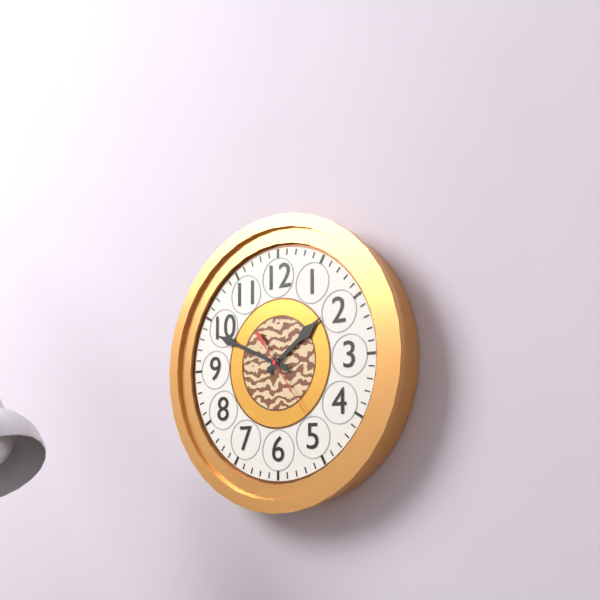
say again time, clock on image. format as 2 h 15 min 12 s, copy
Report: 1 h 49 min 24 s
